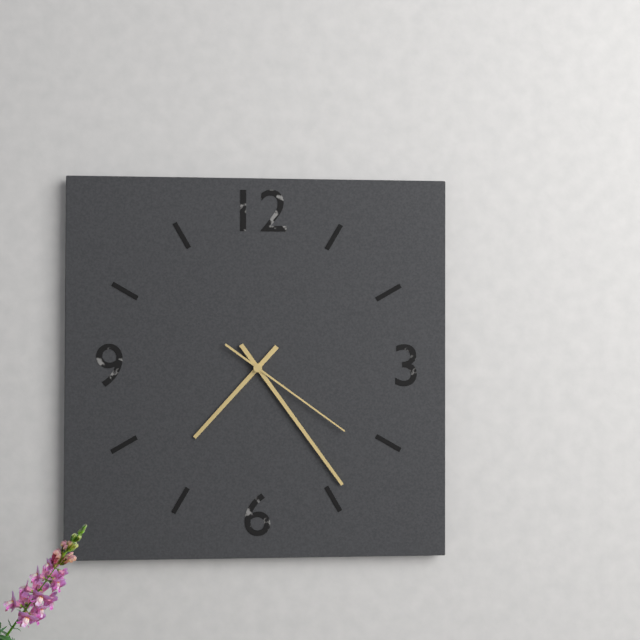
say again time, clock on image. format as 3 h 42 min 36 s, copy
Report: 7 h 24 min 21 s
